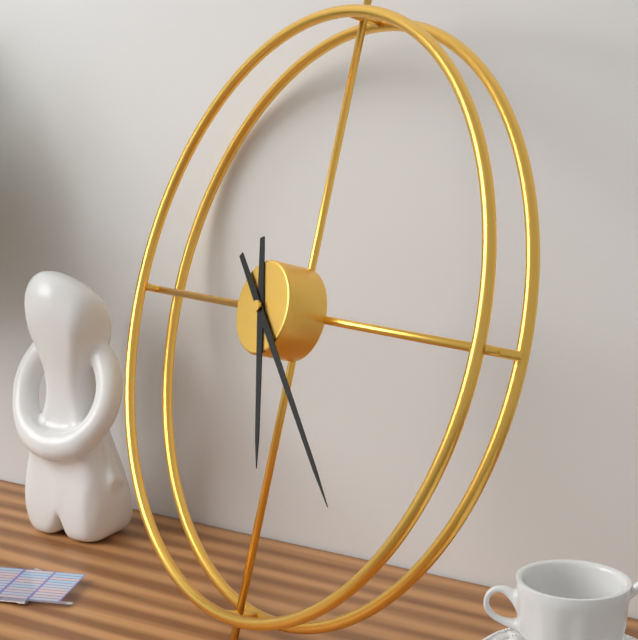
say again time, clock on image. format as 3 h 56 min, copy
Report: 5 h 22 min
